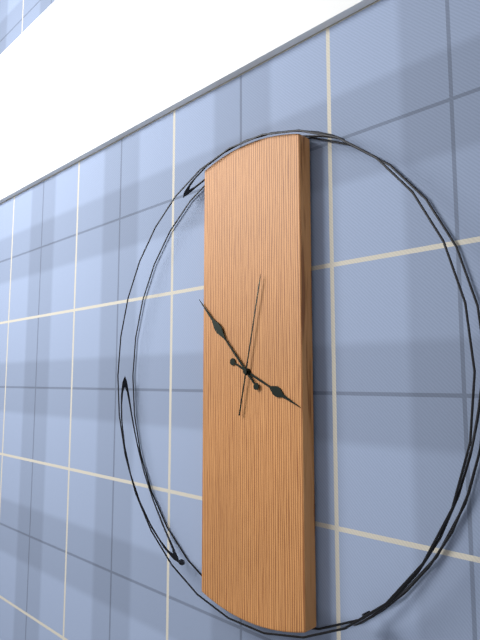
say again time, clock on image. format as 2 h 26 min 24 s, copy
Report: 3 h 53 min 02 s
